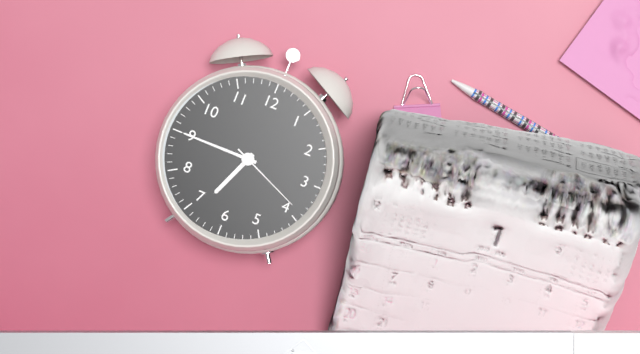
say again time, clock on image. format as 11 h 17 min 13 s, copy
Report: 6 h 45 min 19 s
